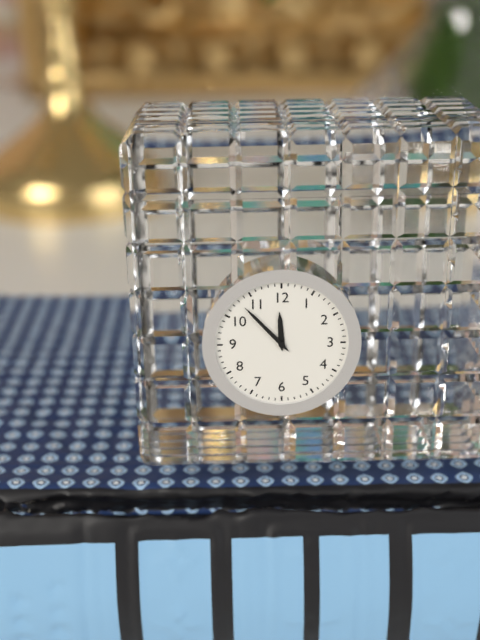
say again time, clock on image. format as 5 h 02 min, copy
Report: 11 h 53 min
